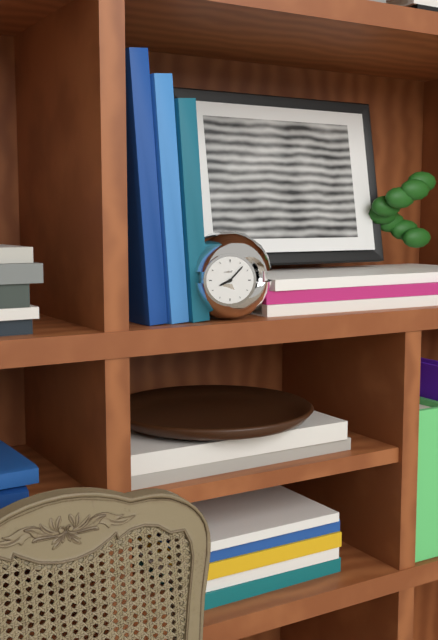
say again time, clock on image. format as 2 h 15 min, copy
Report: 8 h 07 min
